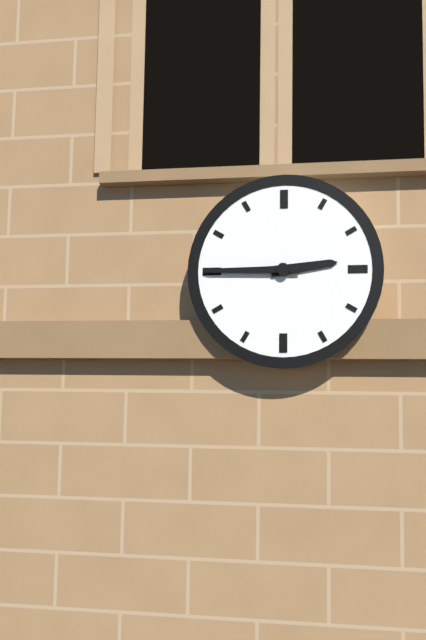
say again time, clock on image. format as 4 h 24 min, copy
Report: 2 h 45 min
